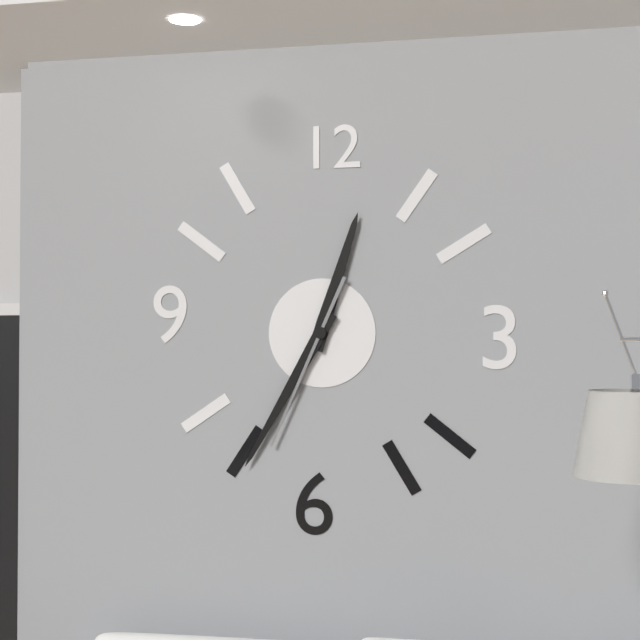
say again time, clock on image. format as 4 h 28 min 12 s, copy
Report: 12 h 35 min 34 s
